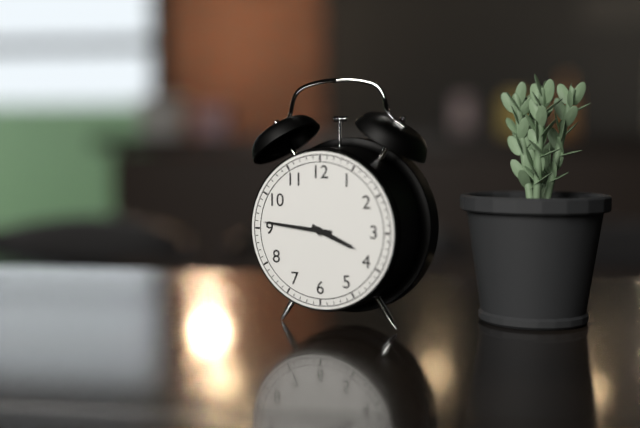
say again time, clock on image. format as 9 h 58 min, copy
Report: 3 h 46 min
